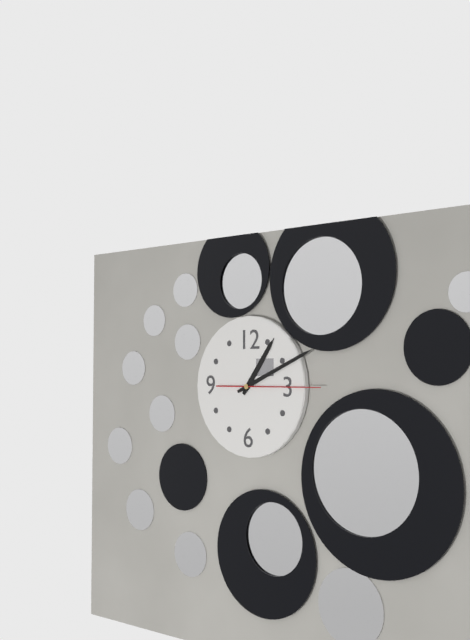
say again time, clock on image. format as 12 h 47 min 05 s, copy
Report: 1 h 11 min 15 s
